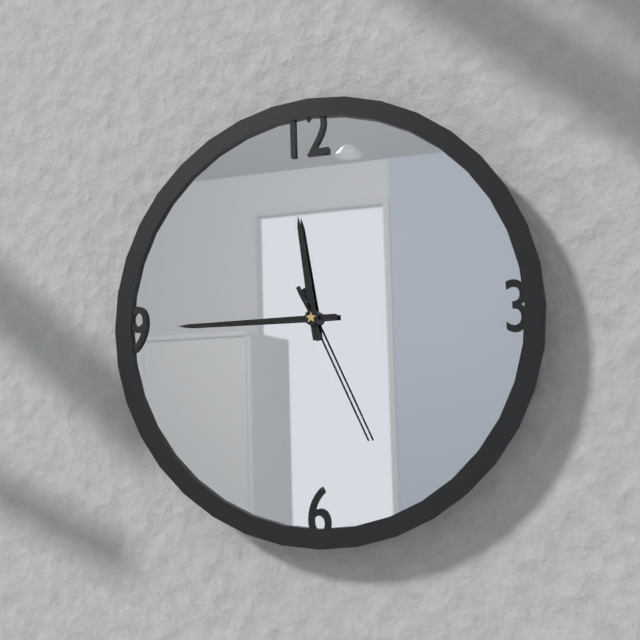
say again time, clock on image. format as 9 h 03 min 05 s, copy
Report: 11 h 45 min 26 s
